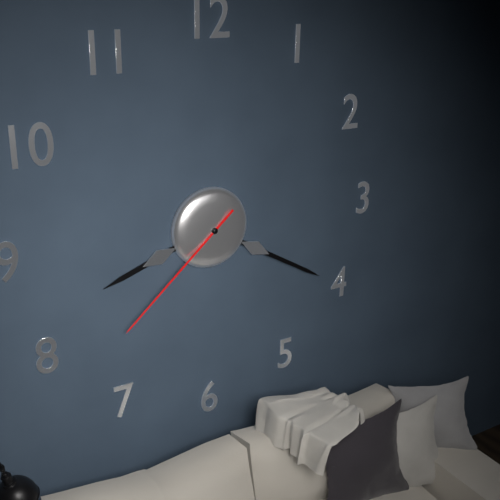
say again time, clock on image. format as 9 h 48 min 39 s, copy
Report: 8 h 20 min 38 s
